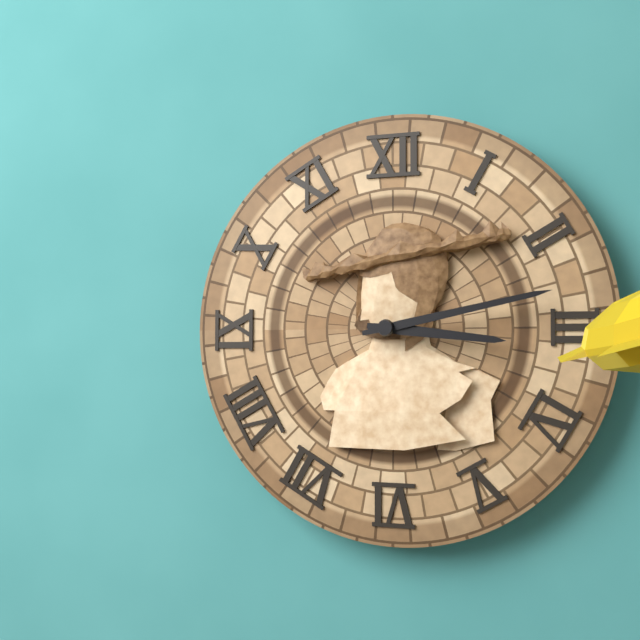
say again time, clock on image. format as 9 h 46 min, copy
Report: 3 h 13 min
